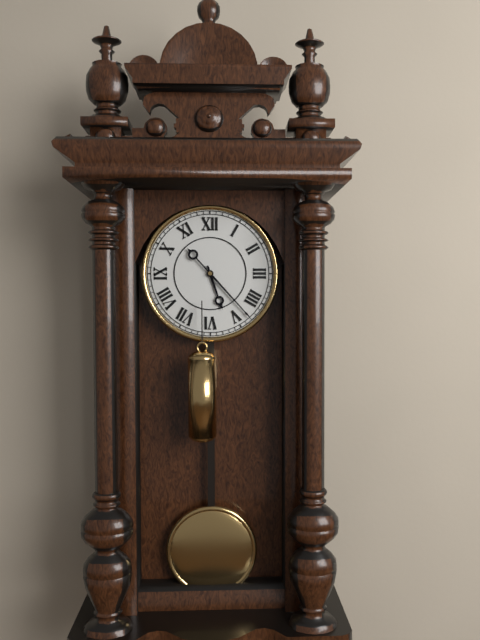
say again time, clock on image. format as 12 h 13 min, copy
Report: 5 h 23 min
